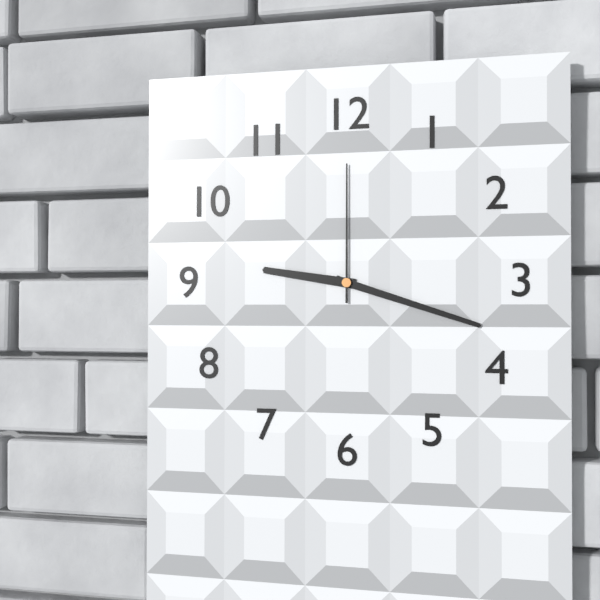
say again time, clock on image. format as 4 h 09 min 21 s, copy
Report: 9 h 18 min 00 s
